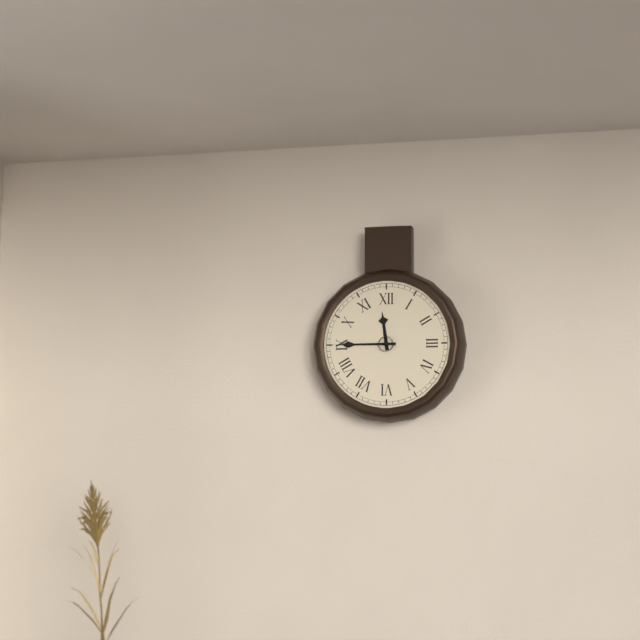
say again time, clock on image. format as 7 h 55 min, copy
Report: 11 h 45 min
